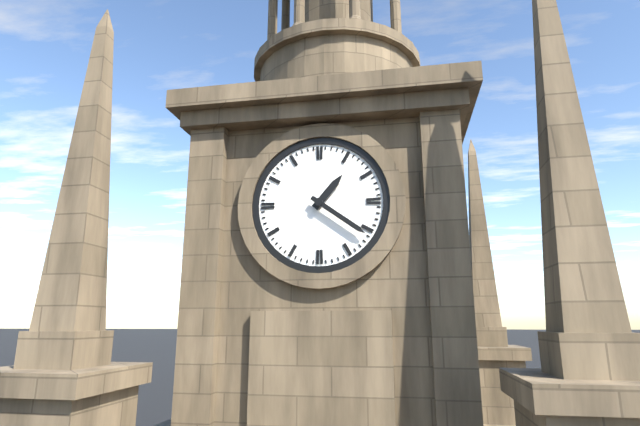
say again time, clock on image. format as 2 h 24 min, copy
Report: 1 h 21 min
